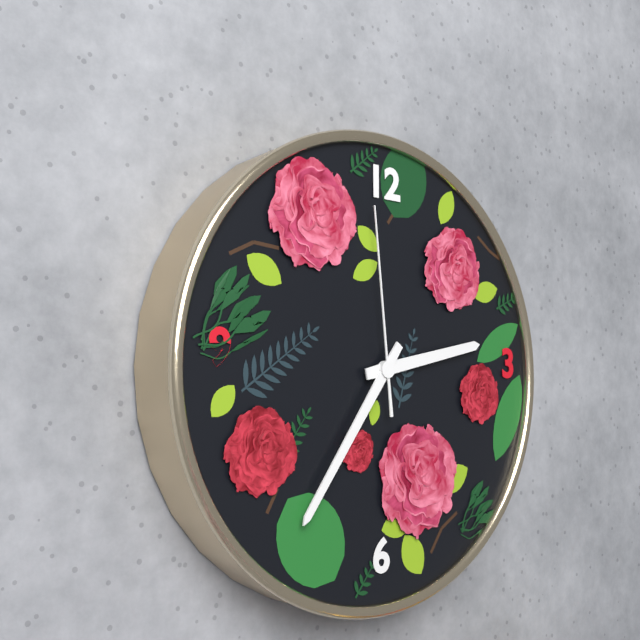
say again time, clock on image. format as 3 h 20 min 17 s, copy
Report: 2 h 36 min 59 s
